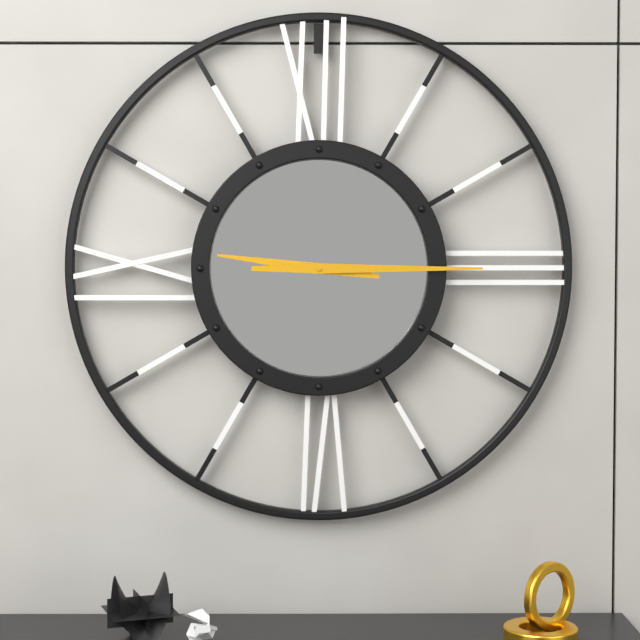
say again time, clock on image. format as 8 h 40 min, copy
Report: 9 h 15 min
